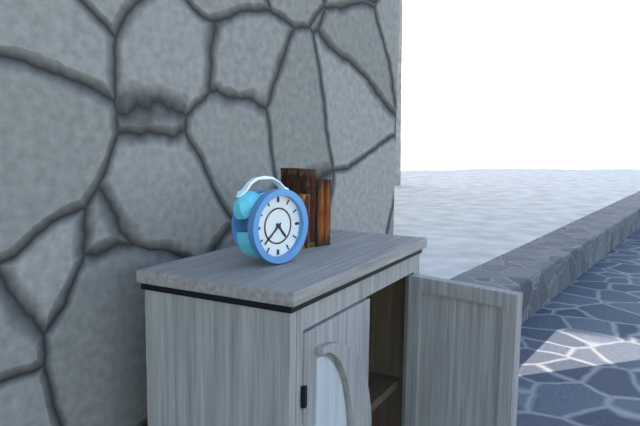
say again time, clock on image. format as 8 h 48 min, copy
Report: 4 h 38 min
